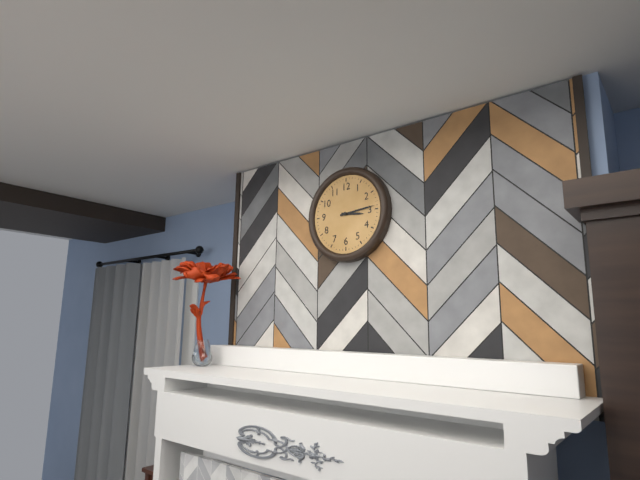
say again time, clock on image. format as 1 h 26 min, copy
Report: 3 h 14 min
